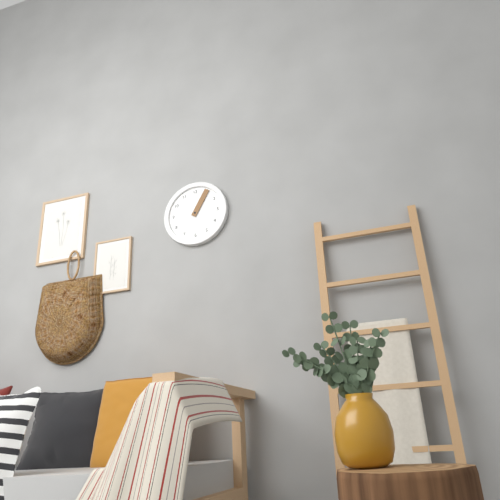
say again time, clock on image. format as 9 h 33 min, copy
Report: 1 h 05 min
